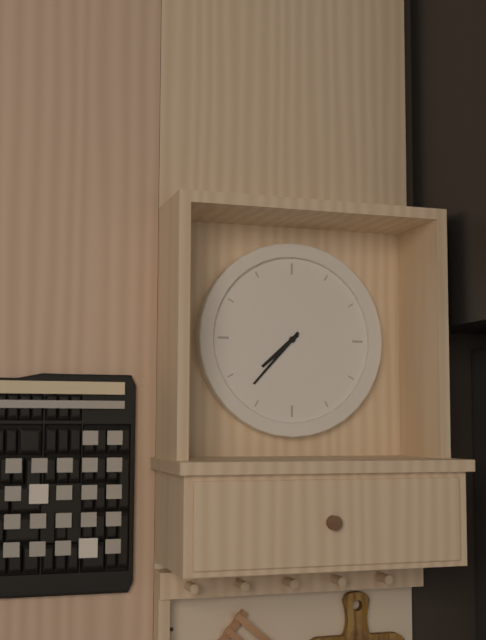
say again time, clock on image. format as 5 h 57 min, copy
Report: 7 h 37 min
